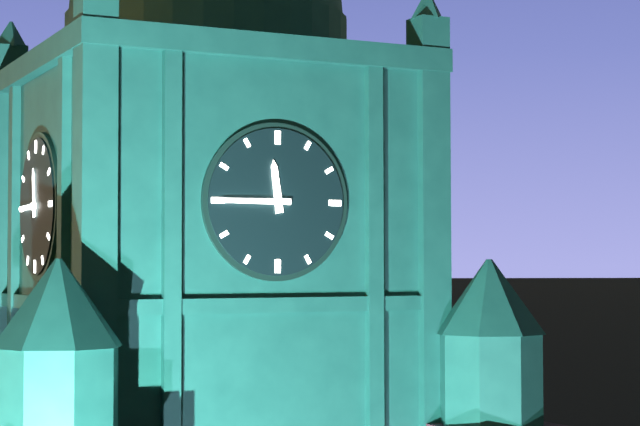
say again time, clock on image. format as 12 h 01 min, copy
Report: 11 h 45 min
